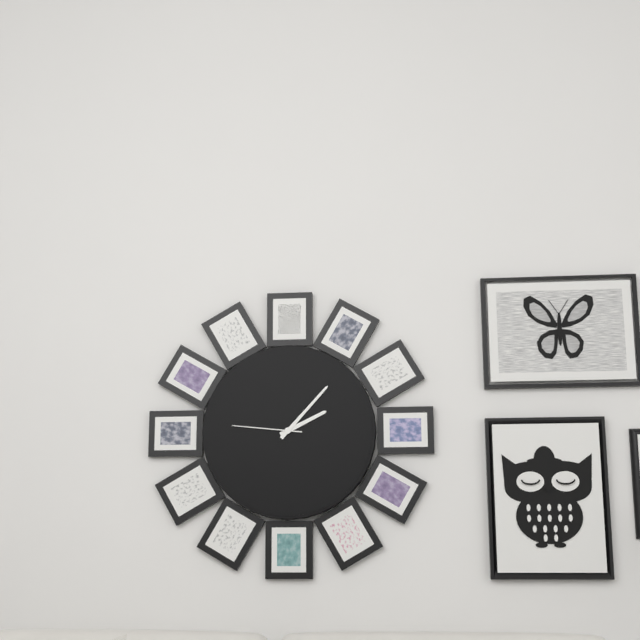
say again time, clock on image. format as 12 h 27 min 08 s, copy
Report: 2 h 07 min 46 s
